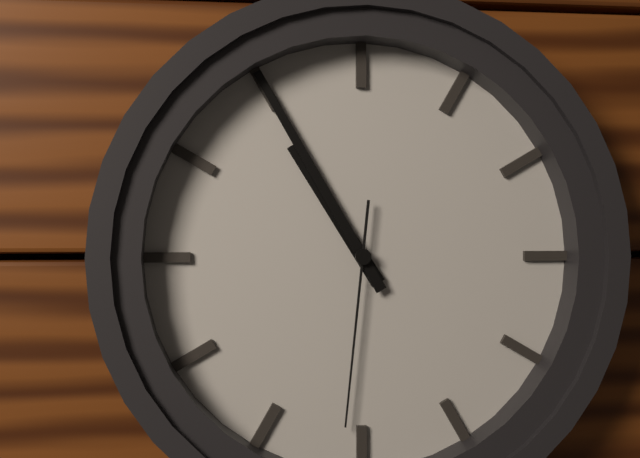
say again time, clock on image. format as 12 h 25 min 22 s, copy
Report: 10 h 55 min 31 s
